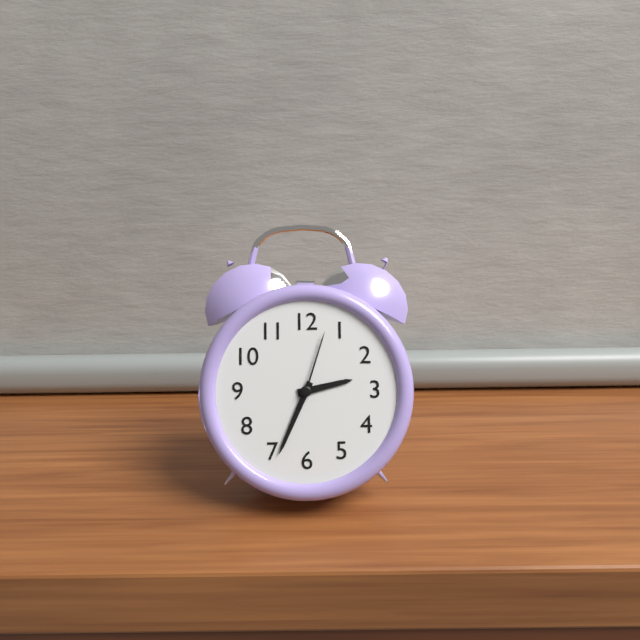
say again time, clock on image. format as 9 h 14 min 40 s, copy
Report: 2 h 34 min 03 s
